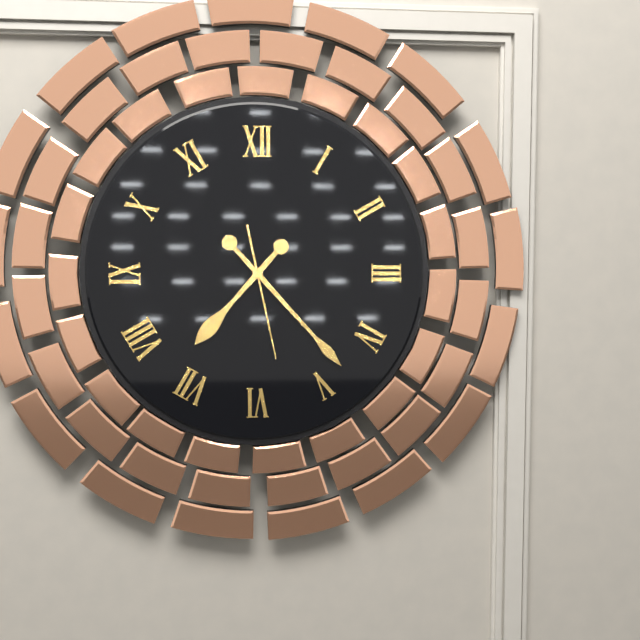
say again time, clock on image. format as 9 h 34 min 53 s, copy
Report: 7 h 23 min 28 s
